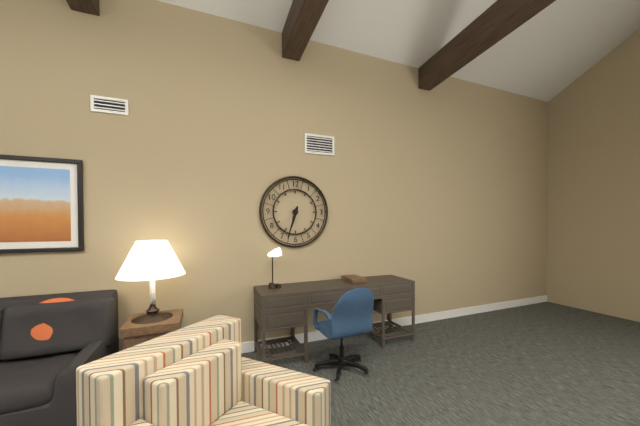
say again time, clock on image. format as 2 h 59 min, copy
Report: 6 h 33 min
